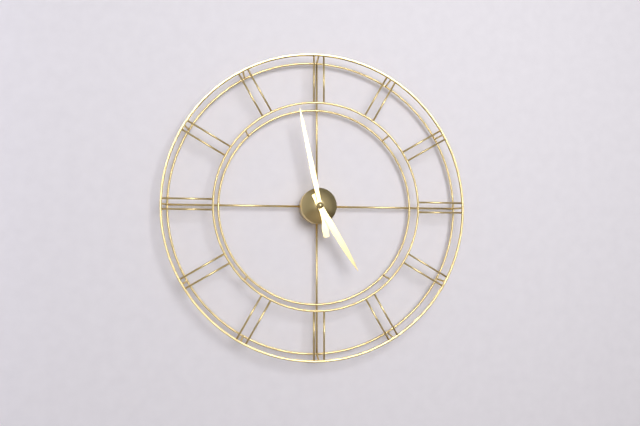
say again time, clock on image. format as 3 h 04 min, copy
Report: 4 h 58 min
